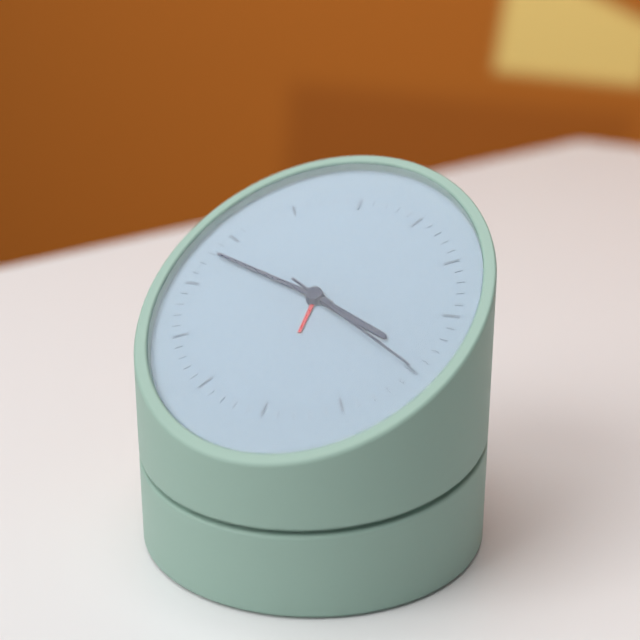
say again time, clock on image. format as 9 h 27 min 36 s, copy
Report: 3 h 48 min 20 s
